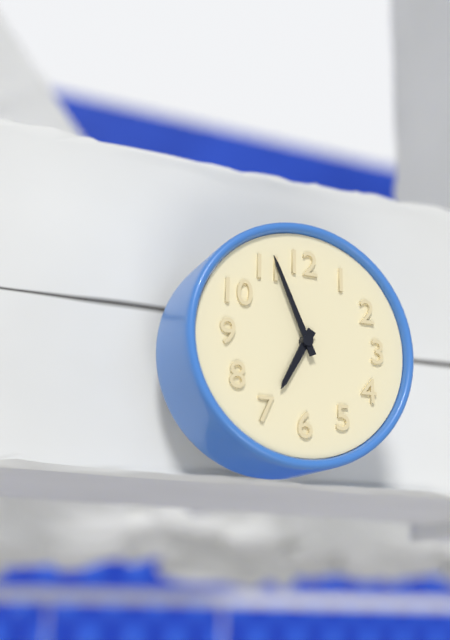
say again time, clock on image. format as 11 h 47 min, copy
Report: 6 h 56 min
